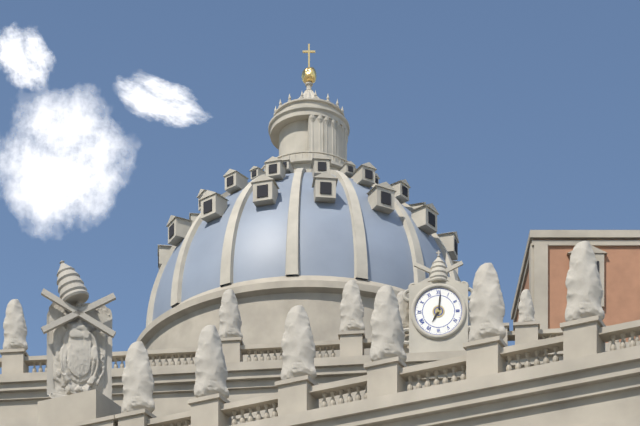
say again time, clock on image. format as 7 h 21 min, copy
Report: 7 h 01 min
